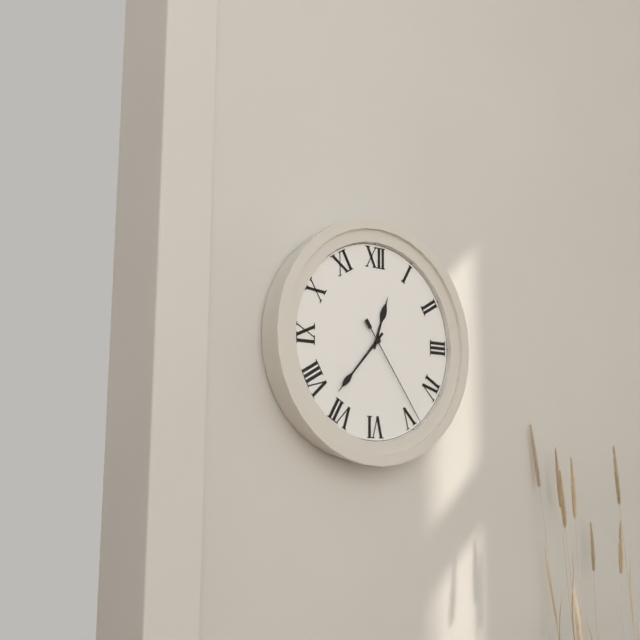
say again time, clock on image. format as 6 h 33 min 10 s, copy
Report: 12 h 37 min 24 s
